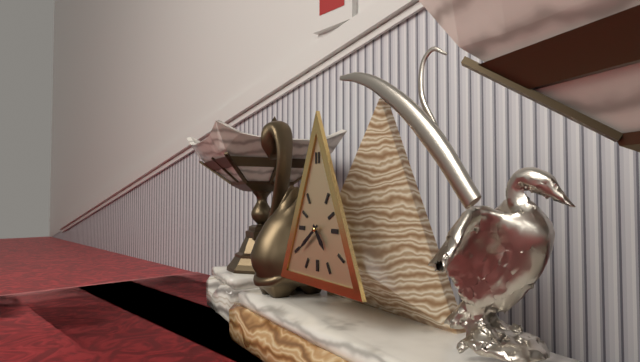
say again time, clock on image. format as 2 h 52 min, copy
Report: 4 h 39 min
